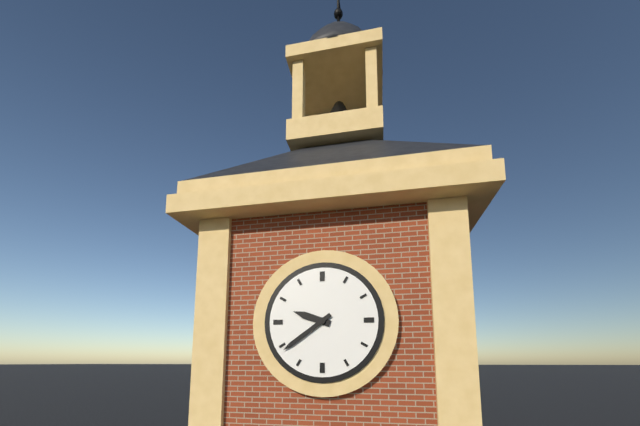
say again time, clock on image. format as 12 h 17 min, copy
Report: 9 h 39 min
